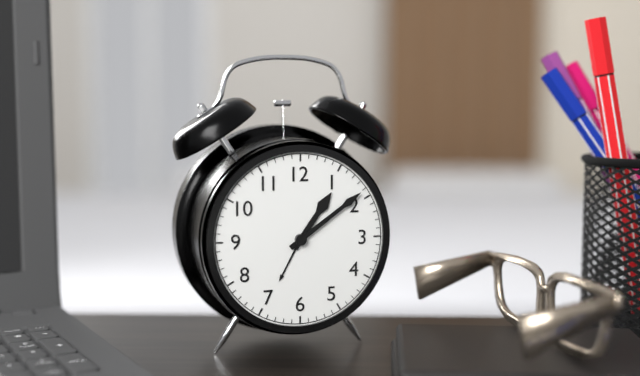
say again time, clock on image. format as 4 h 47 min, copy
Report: 1 h 09 min
